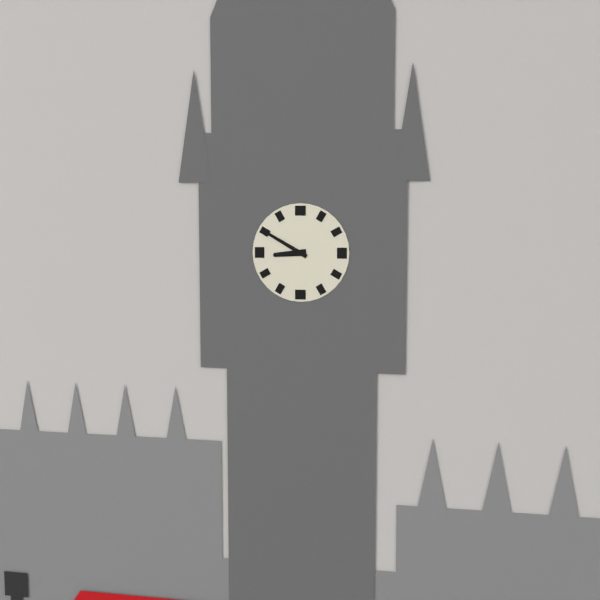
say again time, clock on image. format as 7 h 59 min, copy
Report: 8 h 50 min
